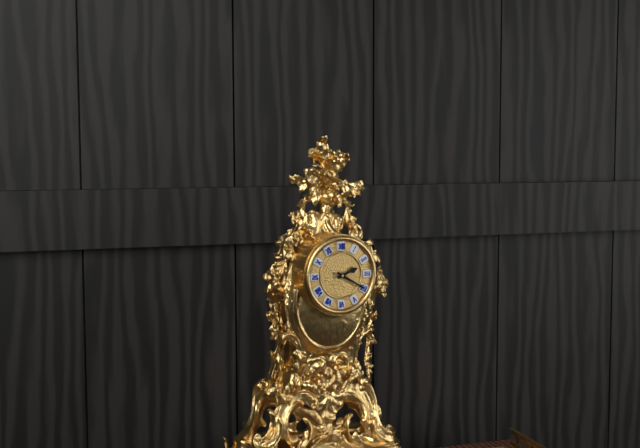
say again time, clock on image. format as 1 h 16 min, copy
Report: 2 h 20 min
